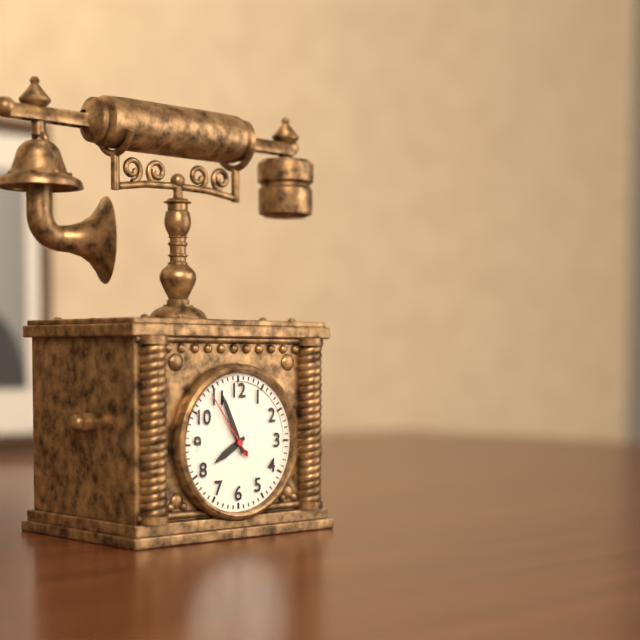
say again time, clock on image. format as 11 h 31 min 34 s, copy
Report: 7 h 56 min 54 s
